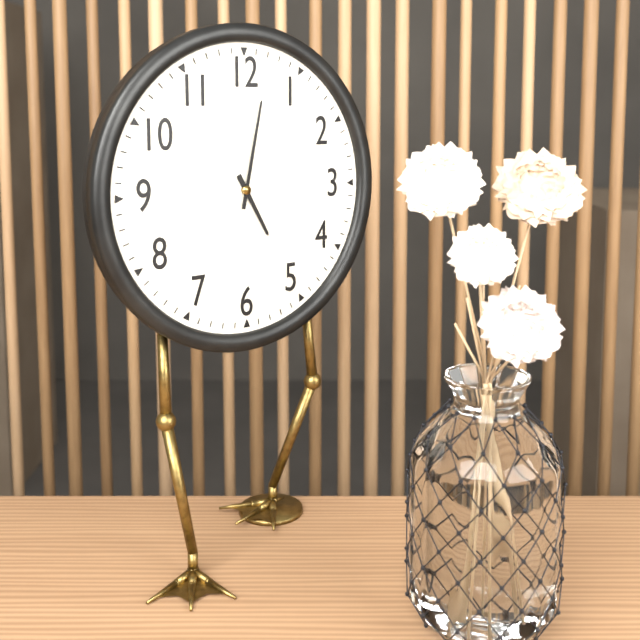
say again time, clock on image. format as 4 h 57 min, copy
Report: 5 h 02 min
